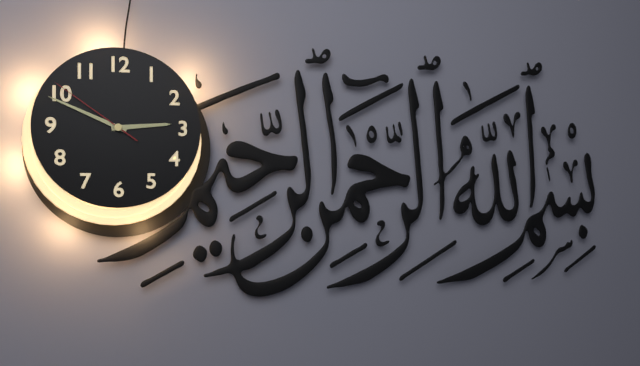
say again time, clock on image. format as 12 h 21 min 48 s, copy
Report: 2 h 49 min 51 s
